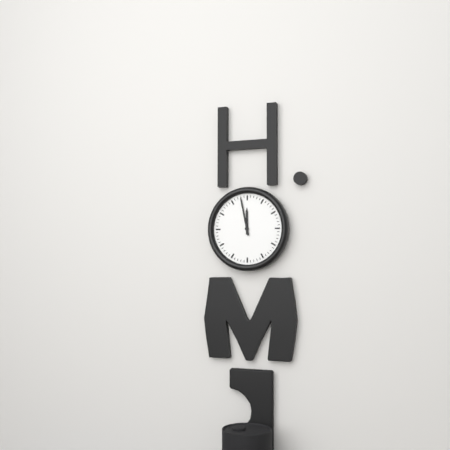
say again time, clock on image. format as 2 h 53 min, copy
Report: 11 h 58 min
